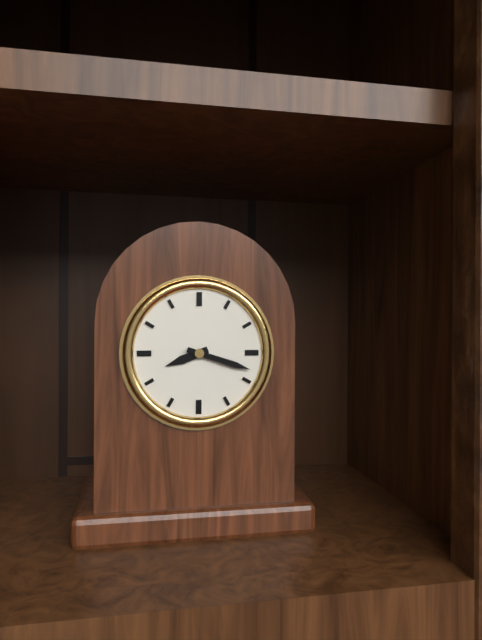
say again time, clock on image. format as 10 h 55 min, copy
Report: 8 h 18 min
